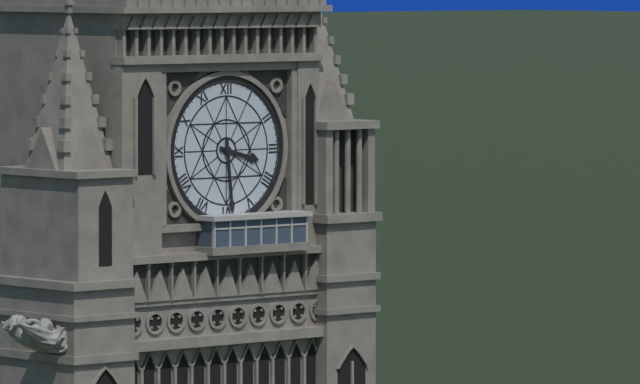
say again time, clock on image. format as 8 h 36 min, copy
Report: 3 h 29 min
